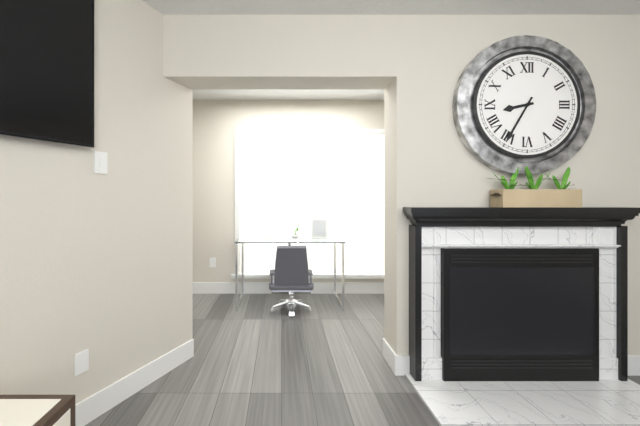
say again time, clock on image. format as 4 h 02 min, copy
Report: 8 h 35 min
